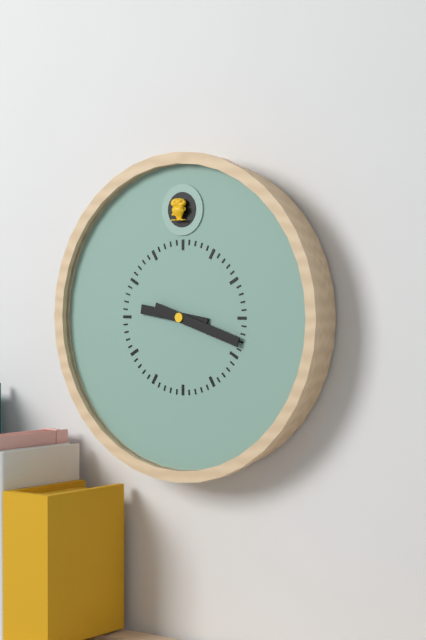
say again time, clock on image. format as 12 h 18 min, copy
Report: 9 h 18 min
